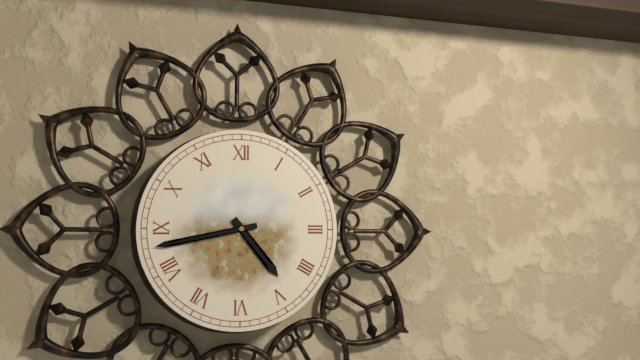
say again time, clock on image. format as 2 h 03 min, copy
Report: 4 h 43 min
